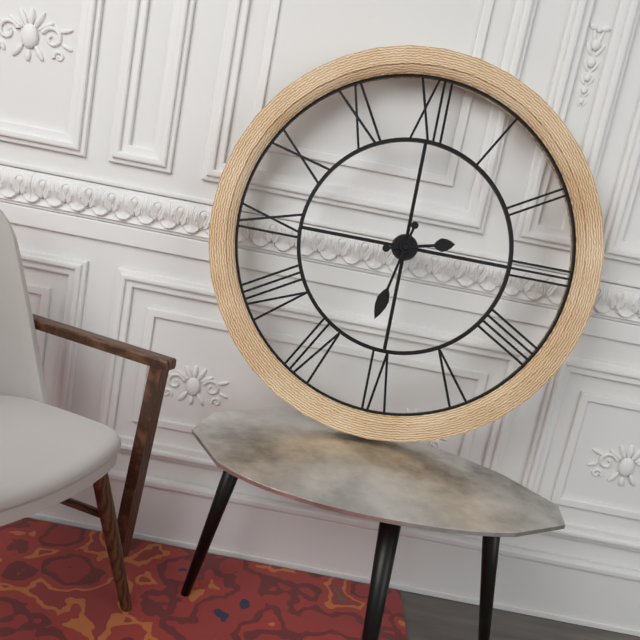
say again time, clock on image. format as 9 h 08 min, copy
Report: 2 h 32 min
